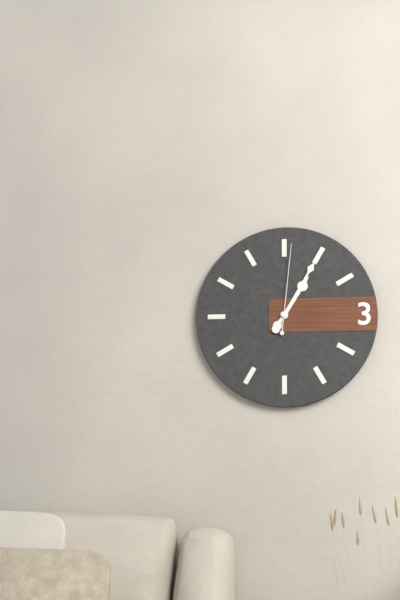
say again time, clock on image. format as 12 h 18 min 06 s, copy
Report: 1 h 05 min 01 s
